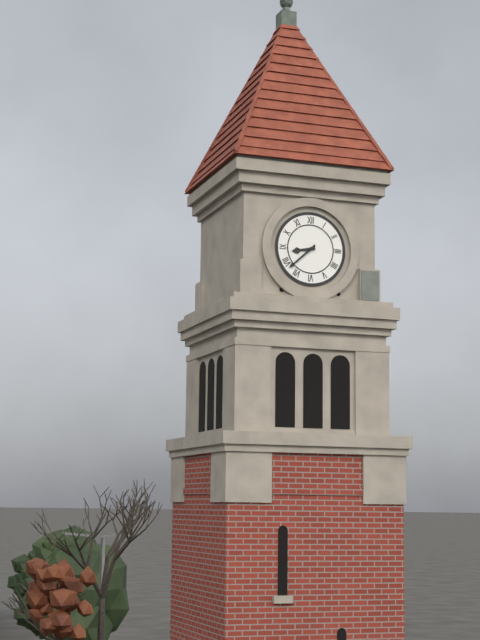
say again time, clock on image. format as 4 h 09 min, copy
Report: 8 h 38 min
